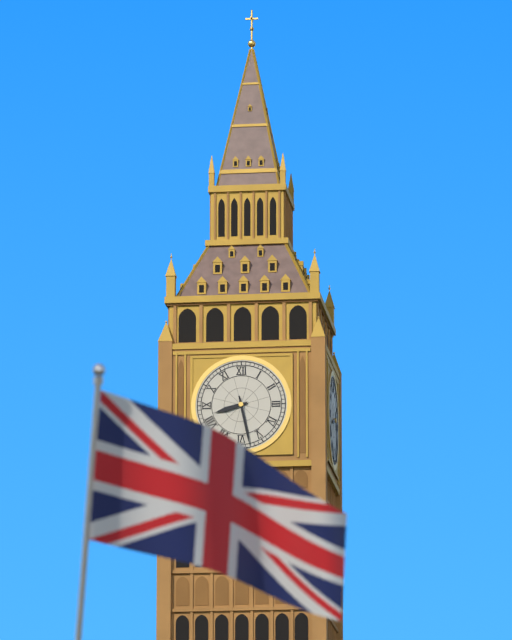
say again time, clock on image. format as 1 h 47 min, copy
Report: 8 h 28 min
